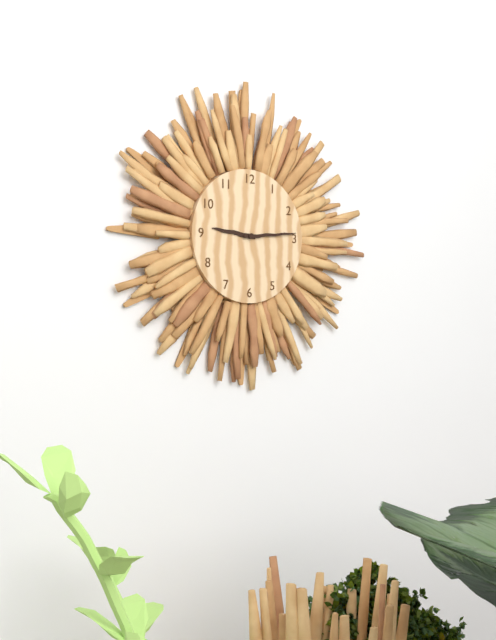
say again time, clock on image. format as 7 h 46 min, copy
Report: 9 h 14 min
